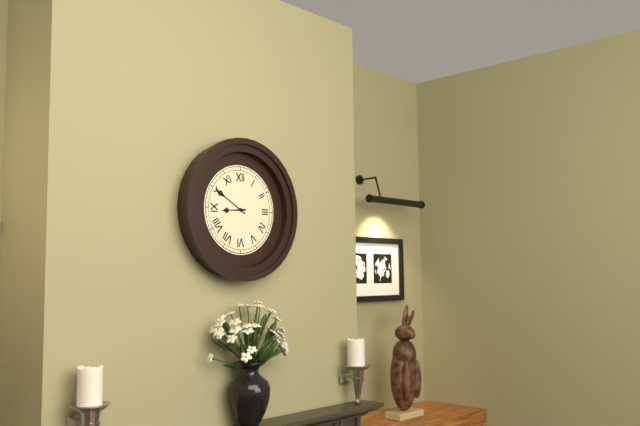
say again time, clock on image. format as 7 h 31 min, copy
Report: 8 h 50 min
